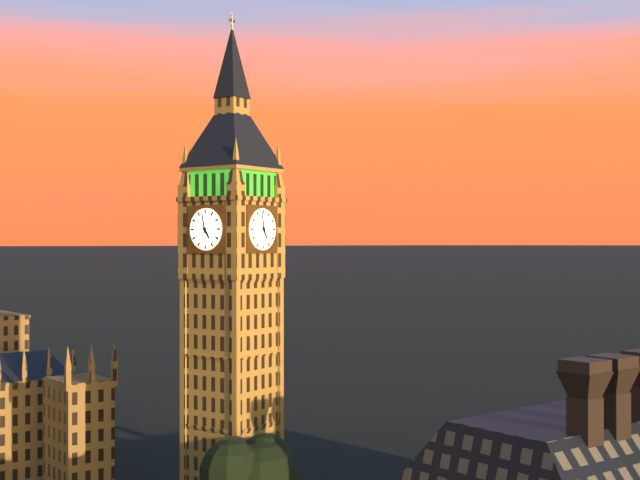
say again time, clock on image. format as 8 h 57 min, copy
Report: 4 h 58 min
